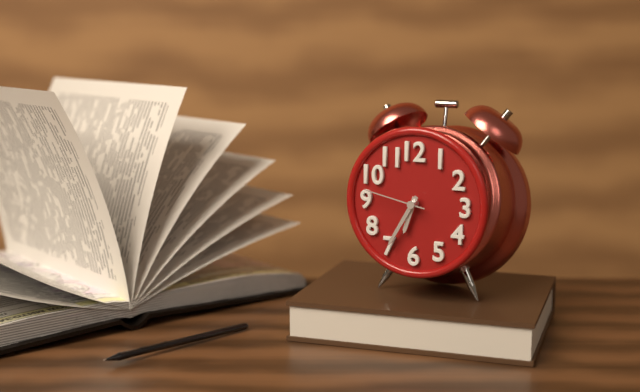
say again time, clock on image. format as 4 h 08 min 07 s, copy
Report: 6 h 35 min 47 s
